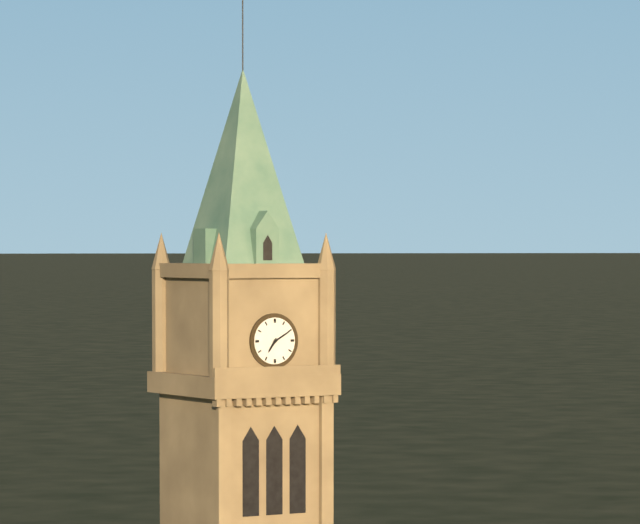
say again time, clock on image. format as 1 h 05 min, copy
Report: 7 h 10 min
